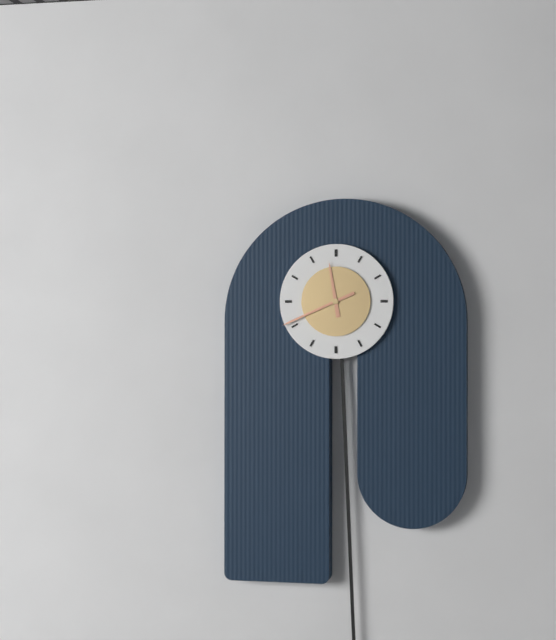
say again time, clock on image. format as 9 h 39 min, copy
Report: 11 h 41 min
